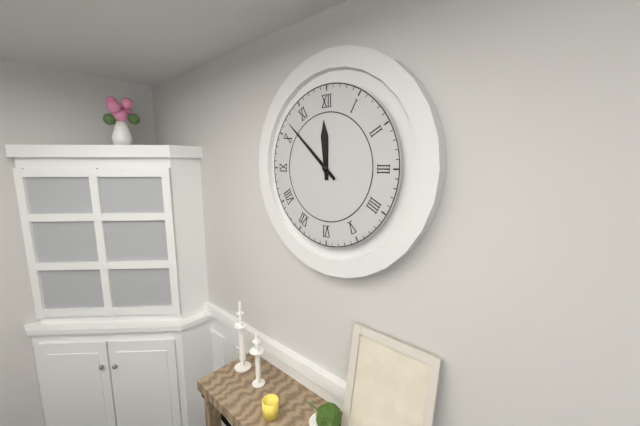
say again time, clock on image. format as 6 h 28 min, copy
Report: 11 h 52 min
